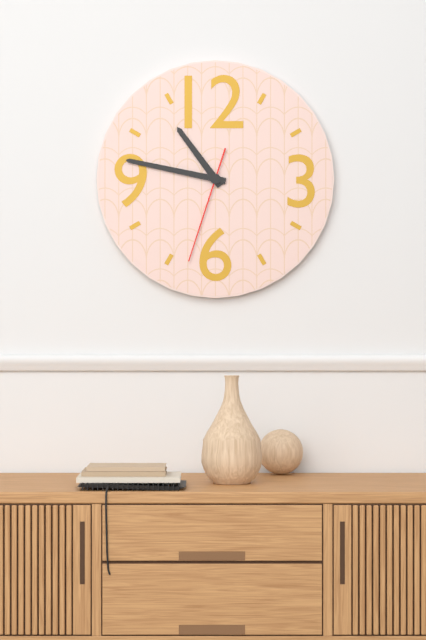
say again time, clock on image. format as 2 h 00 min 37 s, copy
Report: 10 h 47 min 33 s
